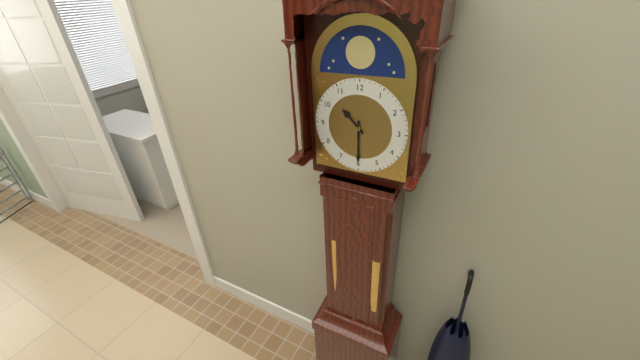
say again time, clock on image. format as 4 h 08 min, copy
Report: 10 h 30 min
